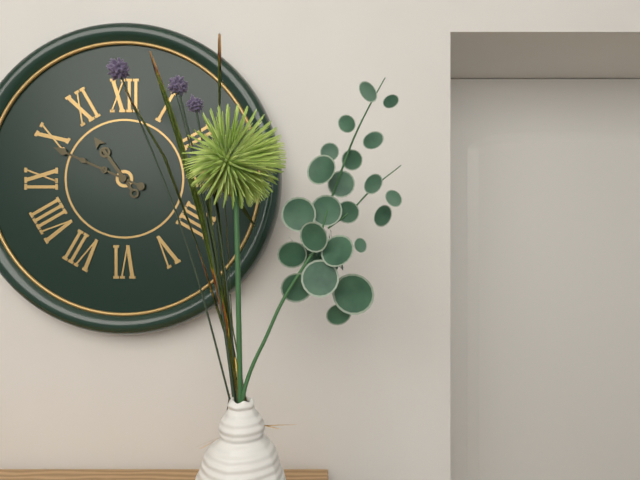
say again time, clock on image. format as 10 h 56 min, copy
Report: 10 h 49 min
